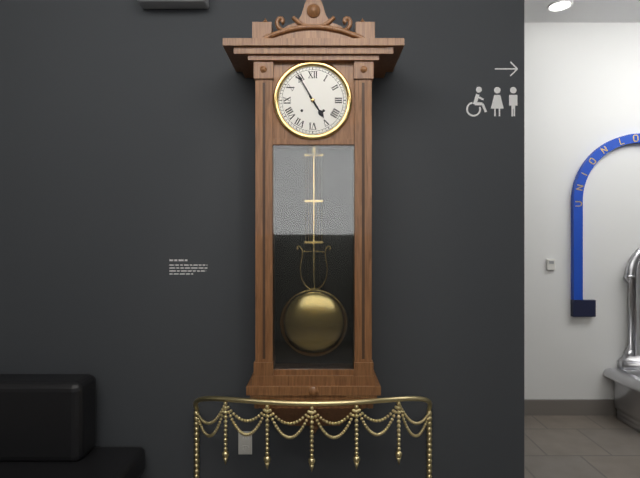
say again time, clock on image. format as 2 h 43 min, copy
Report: 4 h 55 min
